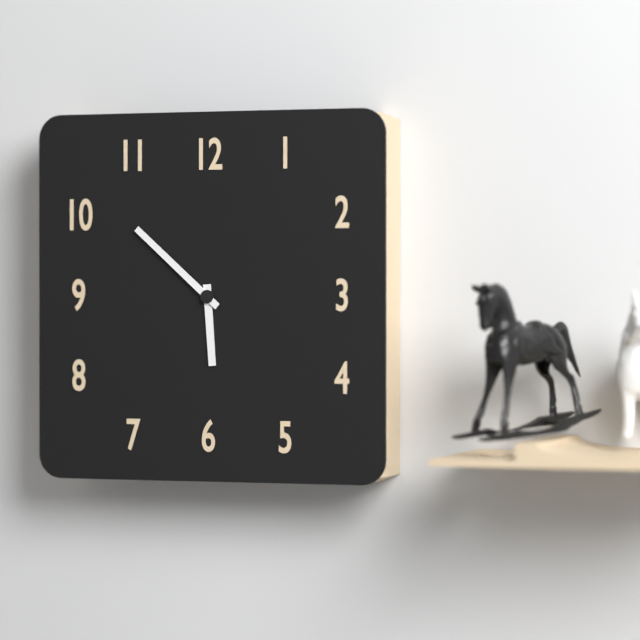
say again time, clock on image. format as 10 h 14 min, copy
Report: 5 h 52 min
